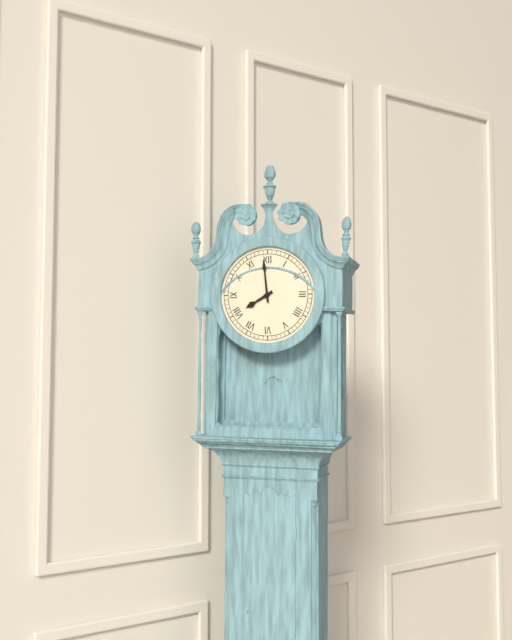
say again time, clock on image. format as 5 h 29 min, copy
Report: 7 h 59 min
